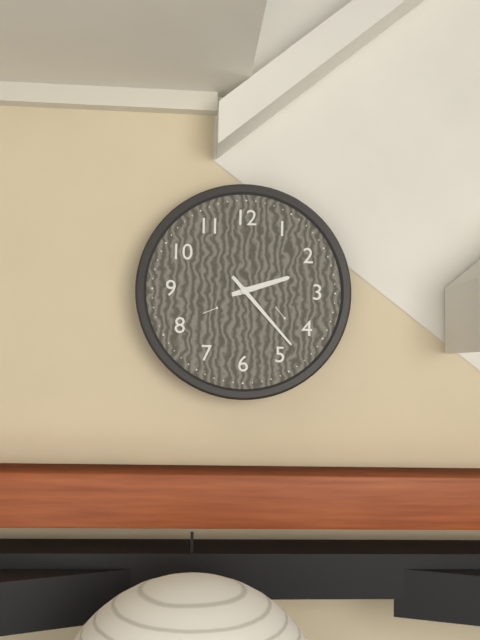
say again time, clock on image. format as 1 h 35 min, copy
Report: 2 h 23 min
